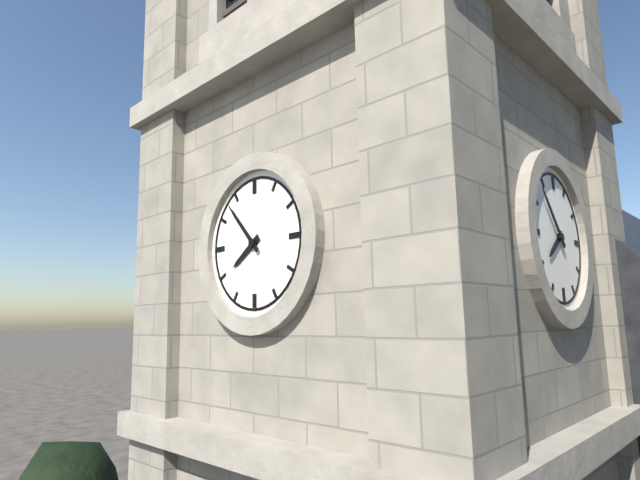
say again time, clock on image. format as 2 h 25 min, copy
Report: 7 h 53 min
